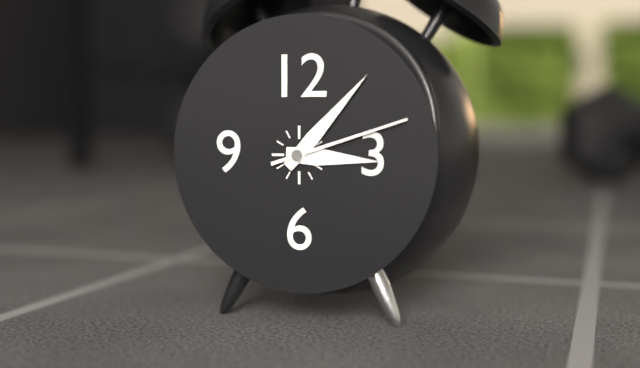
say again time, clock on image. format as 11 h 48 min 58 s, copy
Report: 3 h 07 min 12 s
